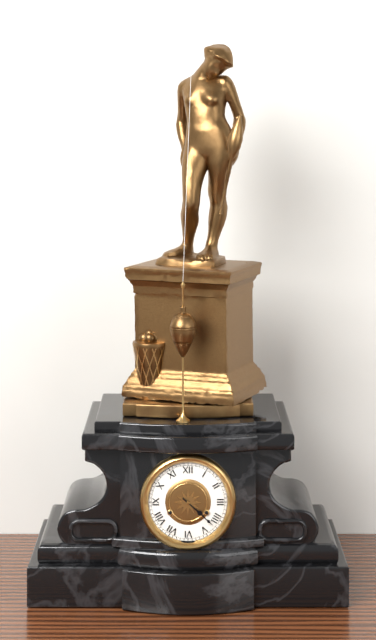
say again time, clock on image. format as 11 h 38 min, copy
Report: 4 h 22 min
